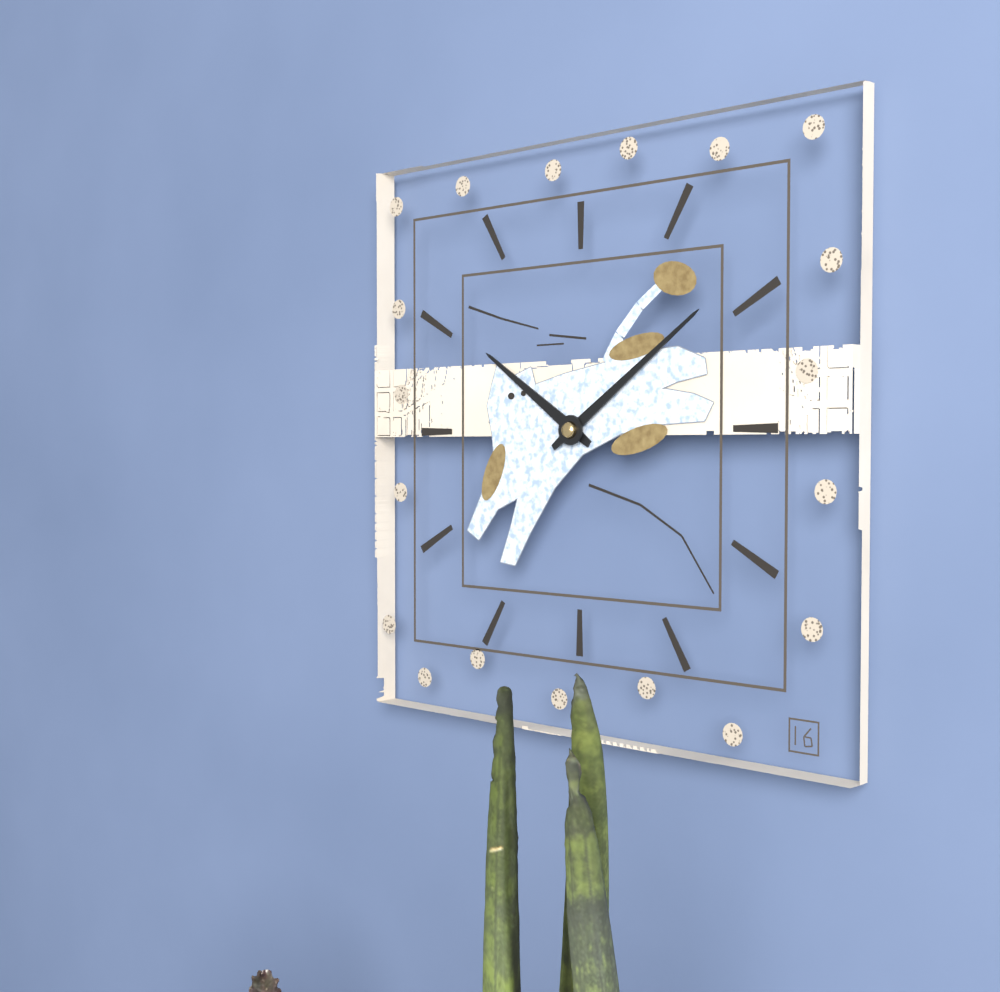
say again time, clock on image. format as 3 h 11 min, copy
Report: 10 h 09 min
